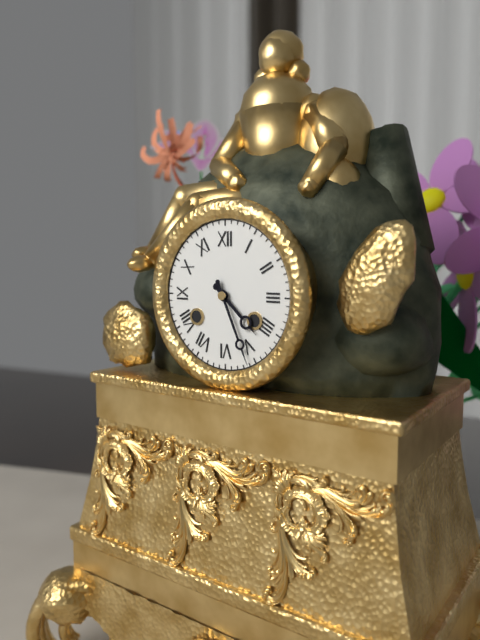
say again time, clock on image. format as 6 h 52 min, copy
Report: 4 h 26 min
